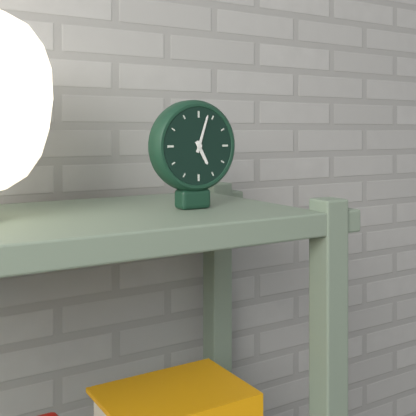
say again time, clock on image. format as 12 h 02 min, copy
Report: 5 h 03 min
